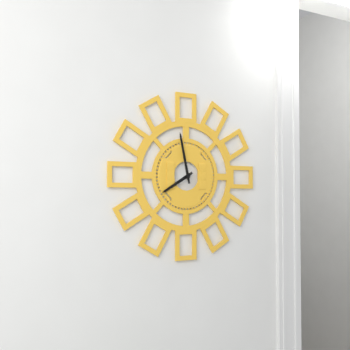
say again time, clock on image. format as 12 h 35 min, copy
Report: 7 h 58 min
